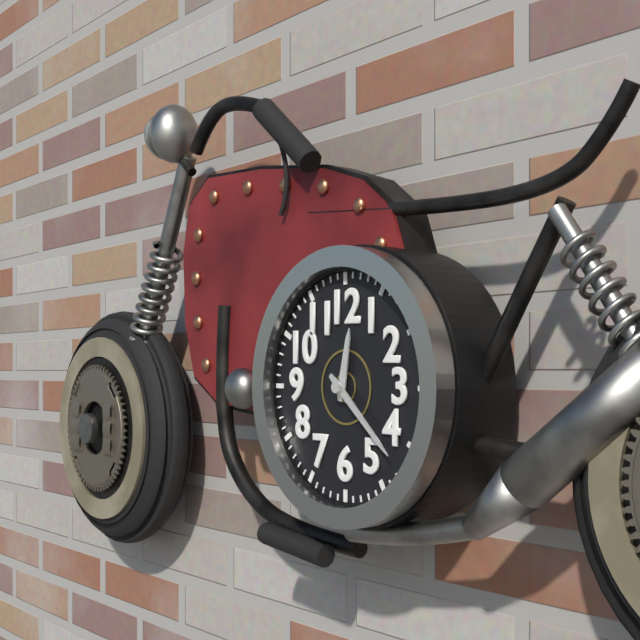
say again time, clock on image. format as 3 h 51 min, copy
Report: 12 h 22 min
